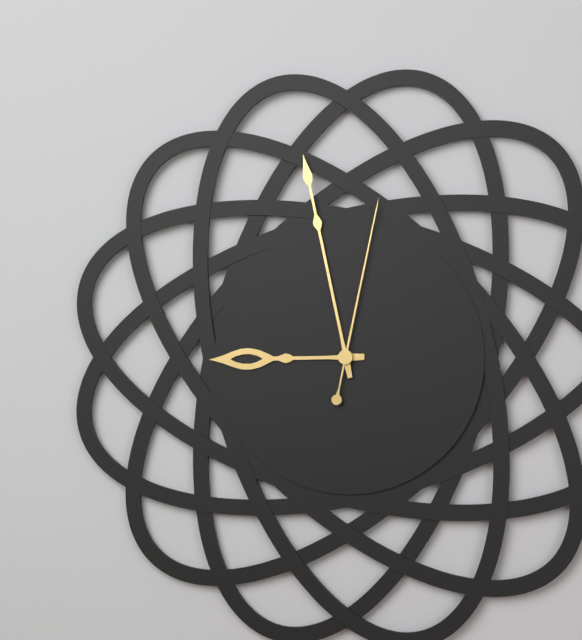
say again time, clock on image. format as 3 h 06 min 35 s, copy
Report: 8 h 58 min 02 s
